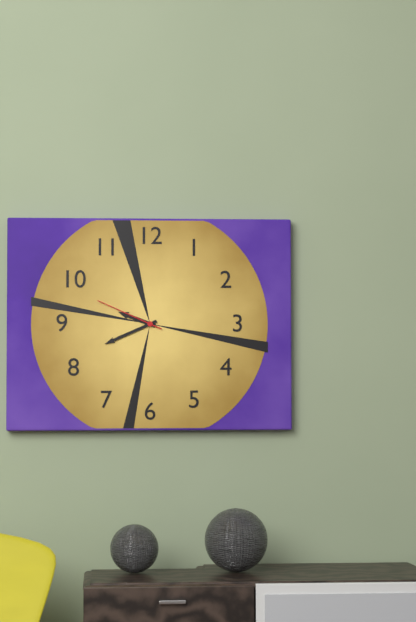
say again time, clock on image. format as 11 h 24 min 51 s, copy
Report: 9 h 41 min 49 s
